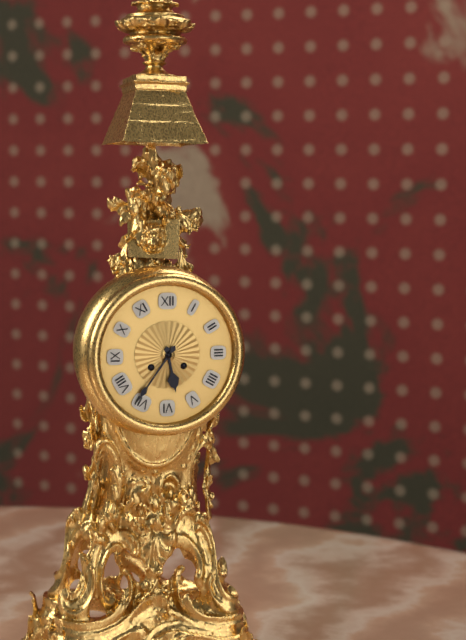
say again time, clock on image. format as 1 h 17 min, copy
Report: 5 h 36 min
